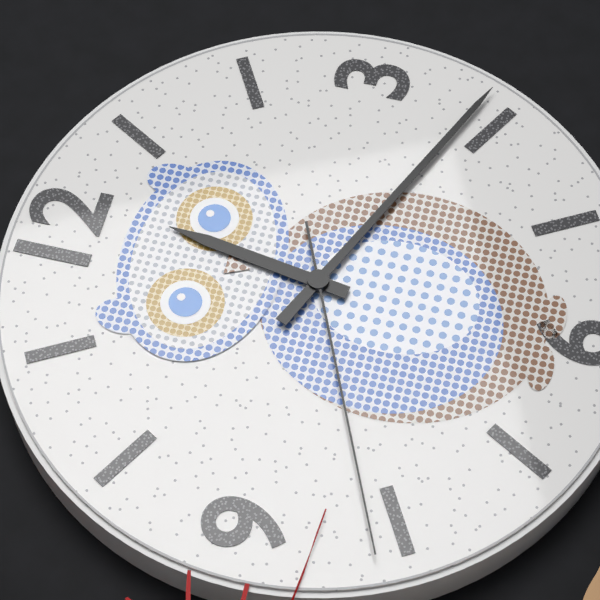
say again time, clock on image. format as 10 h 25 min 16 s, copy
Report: 12 h 19 min 41 s
